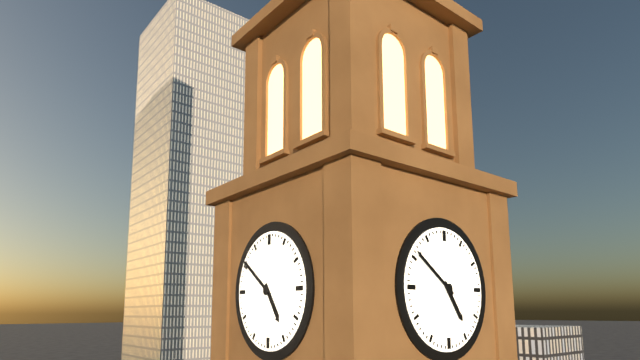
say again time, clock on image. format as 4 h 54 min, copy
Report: 4 h 51 min
